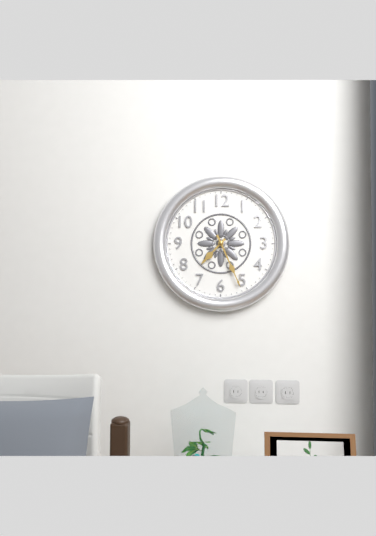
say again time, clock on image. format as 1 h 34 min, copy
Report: 7 h 26 min
